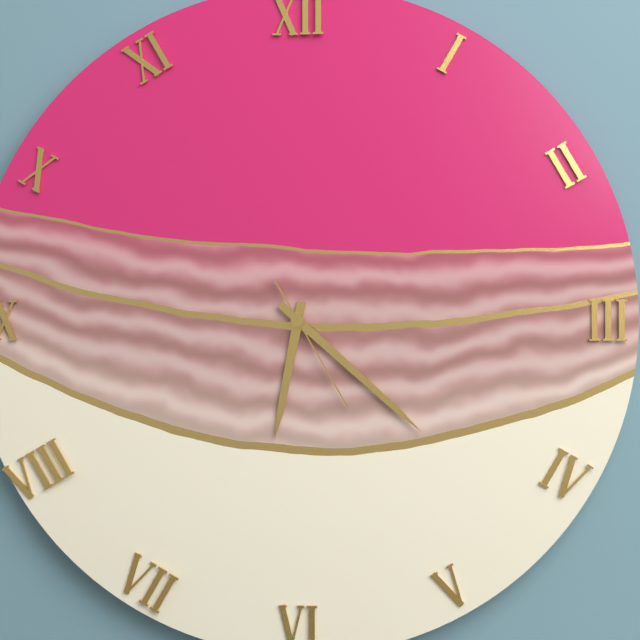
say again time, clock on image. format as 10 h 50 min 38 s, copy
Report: 6 h 22 min 25 s
